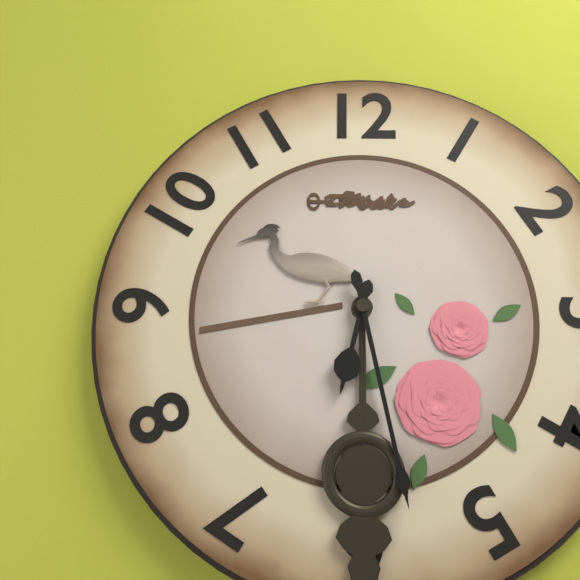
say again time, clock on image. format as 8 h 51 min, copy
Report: 6 h 28 min
